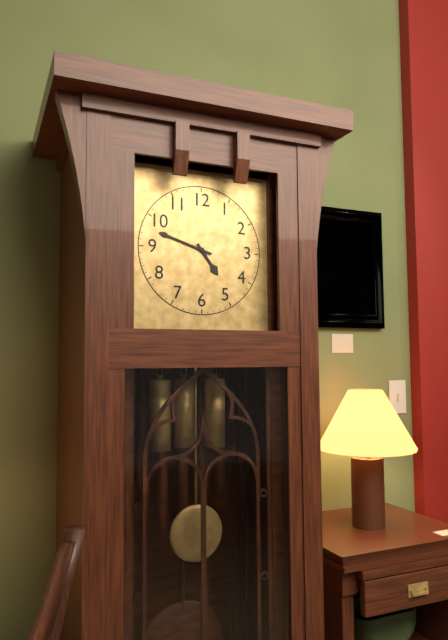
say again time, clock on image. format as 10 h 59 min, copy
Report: 4 h 48 min
